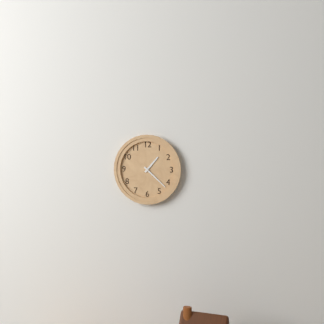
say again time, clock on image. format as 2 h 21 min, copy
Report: 1 h 22 min
